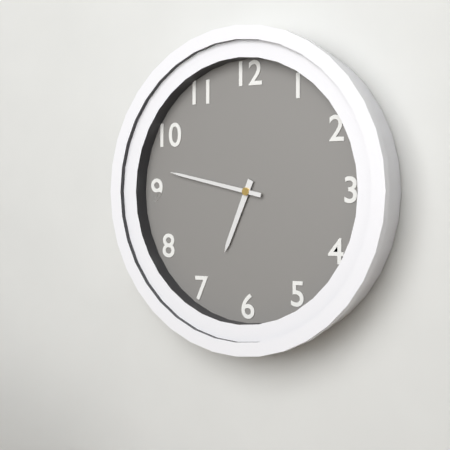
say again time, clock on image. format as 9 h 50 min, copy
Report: 6 h 47 min
